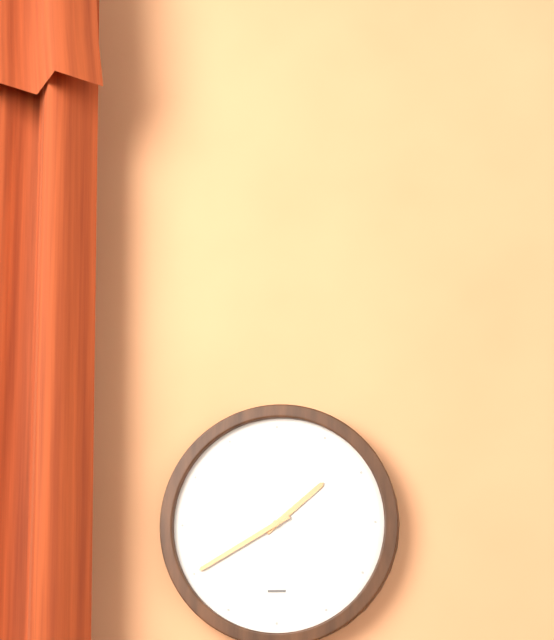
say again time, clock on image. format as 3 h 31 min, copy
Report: 1 h 40 min
